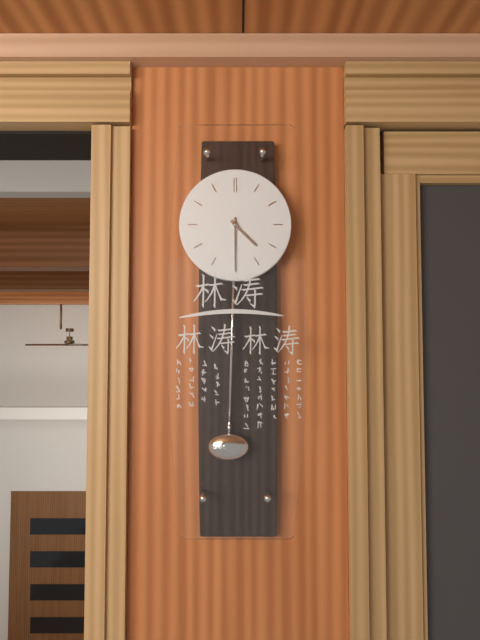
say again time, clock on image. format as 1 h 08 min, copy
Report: 4 h 30 min
